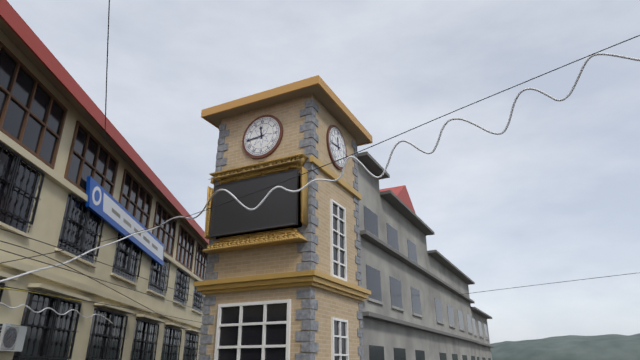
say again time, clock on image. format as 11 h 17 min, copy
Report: 11 h 44 min
